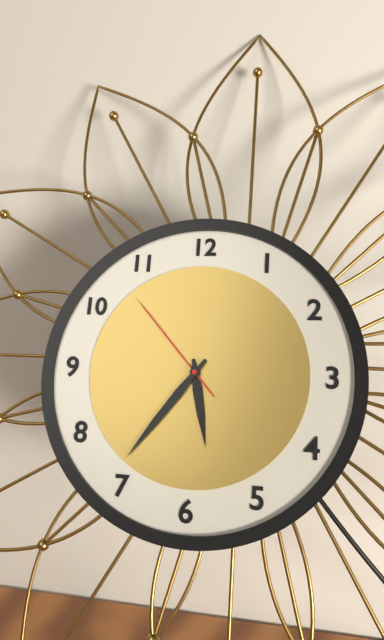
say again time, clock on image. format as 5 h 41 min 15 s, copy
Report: 5 h 36 min 53 s
